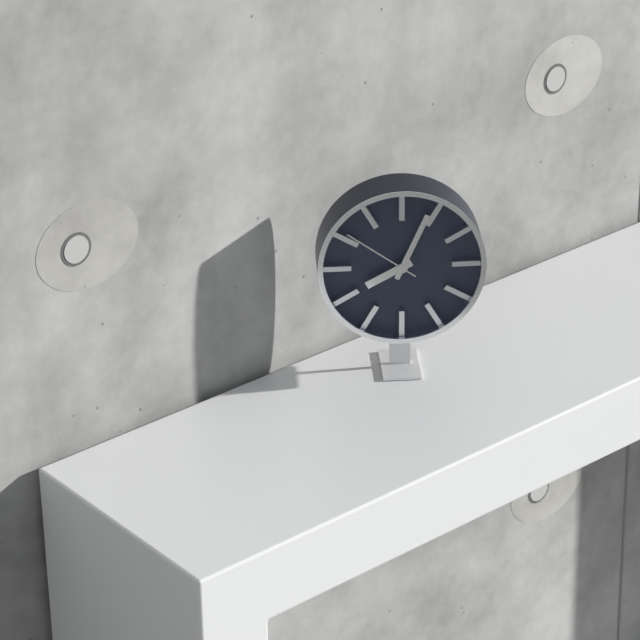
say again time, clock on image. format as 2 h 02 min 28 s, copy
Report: 8 h 04 min 51 s
